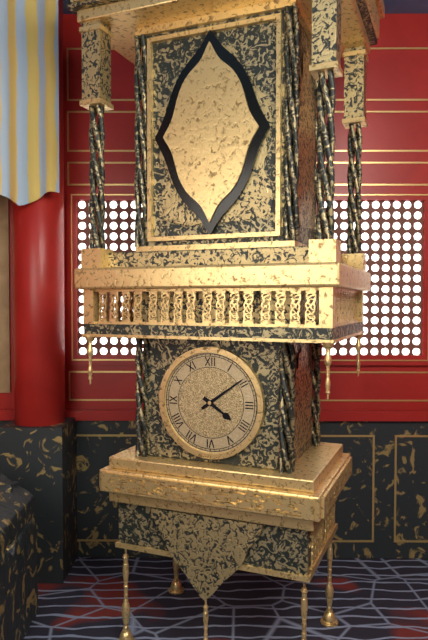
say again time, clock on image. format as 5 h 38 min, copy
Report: 4 h 09 min
